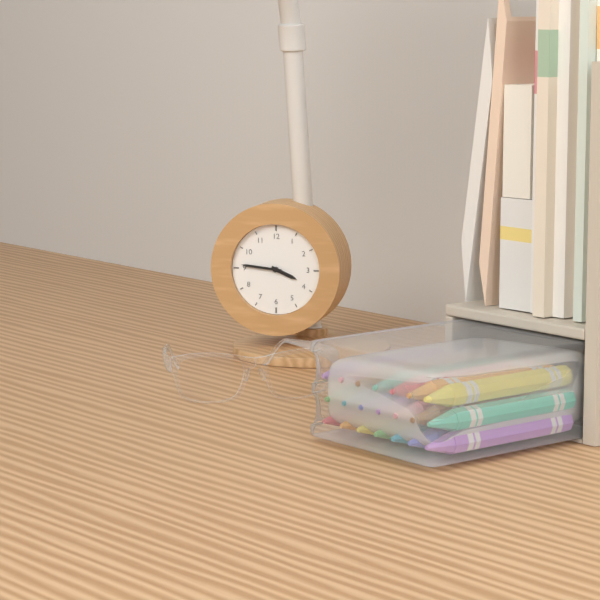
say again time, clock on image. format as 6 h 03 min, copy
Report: 3 h 46 min
